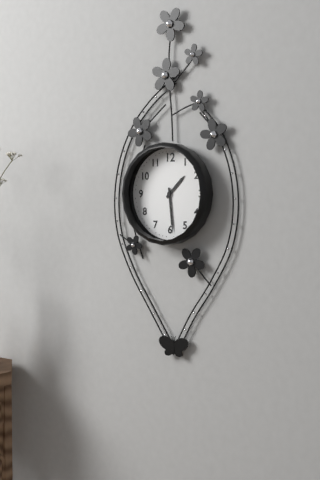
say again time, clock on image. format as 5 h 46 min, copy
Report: 1 h 29 min
